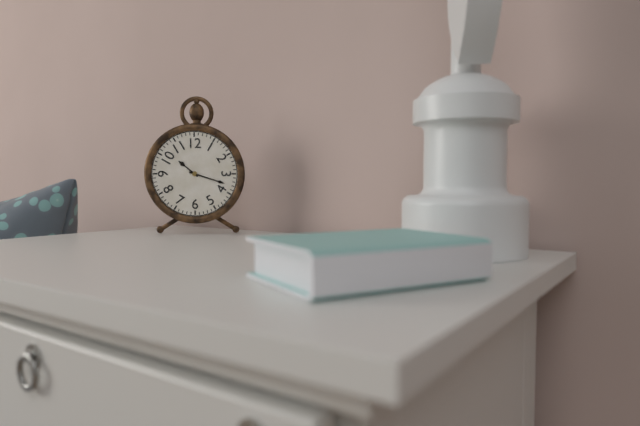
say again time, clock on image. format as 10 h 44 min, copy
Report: 10 h 18 min
